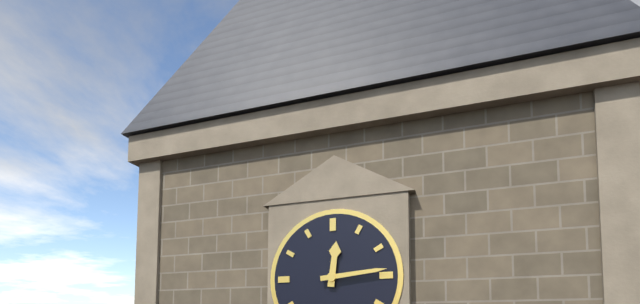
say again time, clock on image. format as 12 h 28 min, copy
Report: 12 h 14 min
